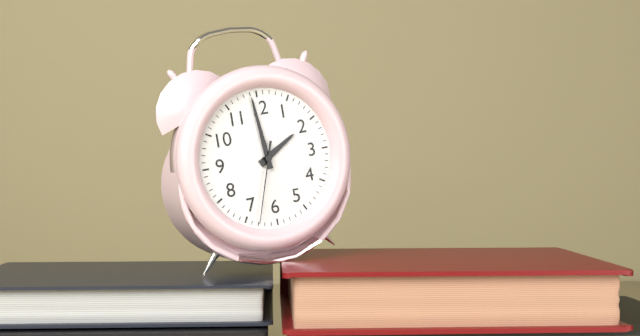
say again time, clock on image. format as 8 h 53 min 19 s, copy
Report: 1 h 59 min 33 s
